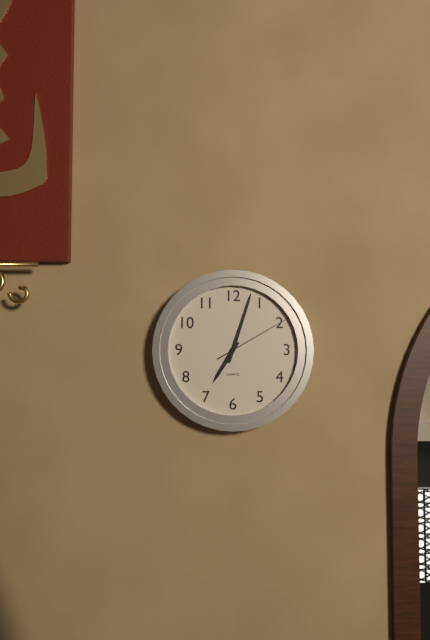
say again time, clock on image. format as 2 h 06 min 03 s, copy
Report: 7 h 03 min 10 s
